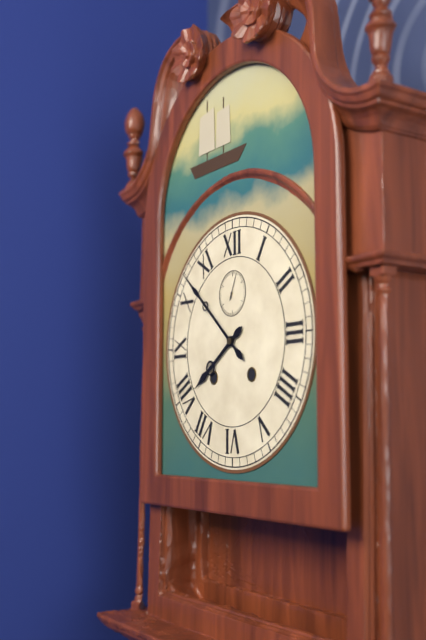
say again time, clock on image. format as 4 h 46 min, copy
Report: 7 h 52 min
